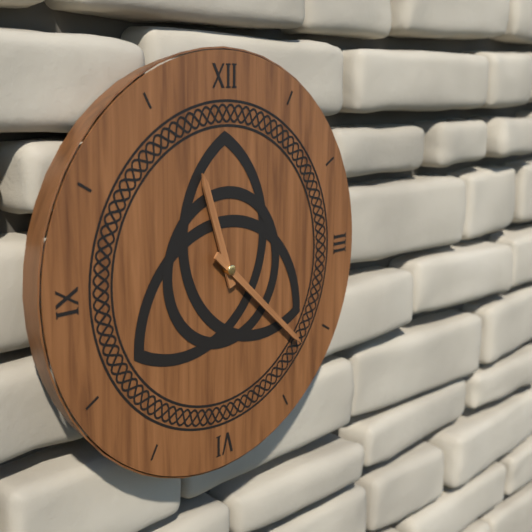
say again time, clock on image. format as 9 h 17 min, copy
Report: 11 h 22 min
